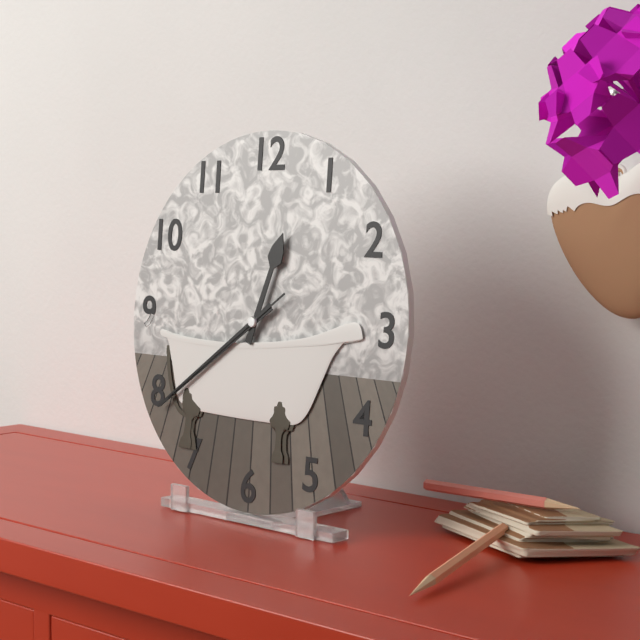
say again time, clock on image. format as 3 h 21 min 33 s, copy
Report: 12 h 39 min 39 s
